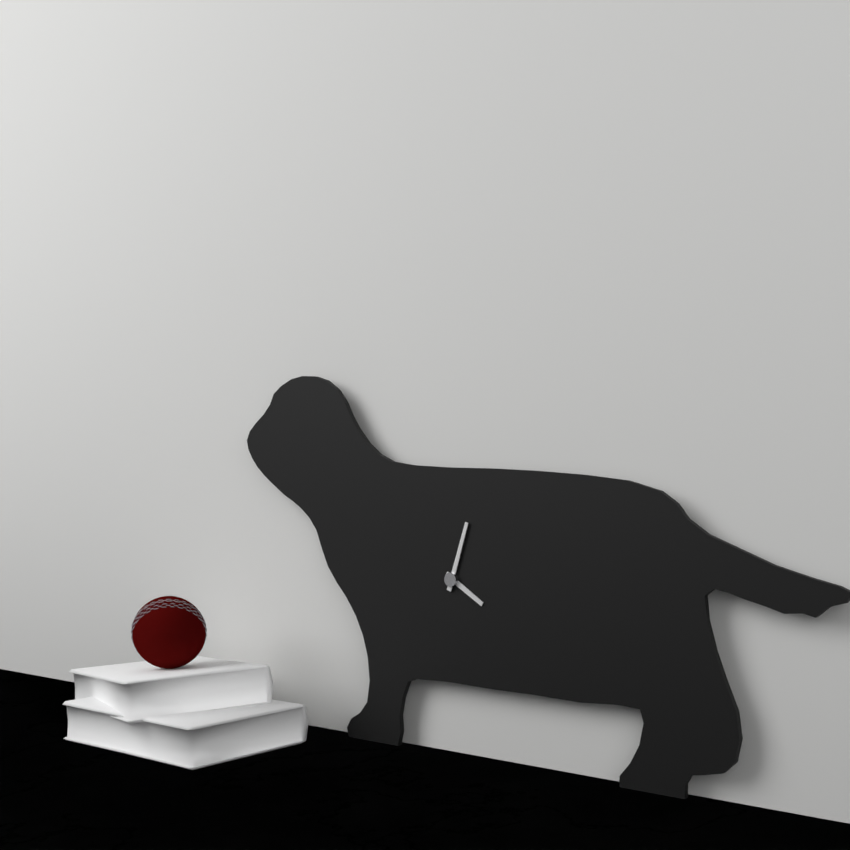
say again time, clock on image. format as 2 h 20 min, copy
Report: 4 h 03 min
